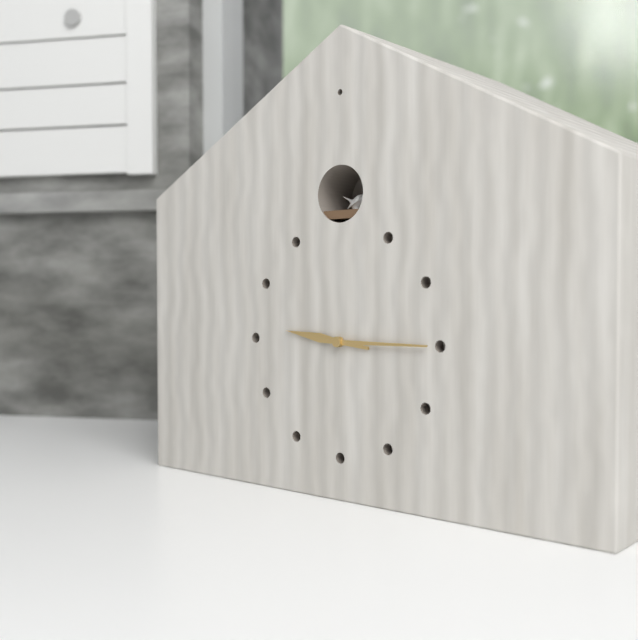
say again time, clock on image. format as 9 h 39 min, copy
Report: 9 h 15 min
